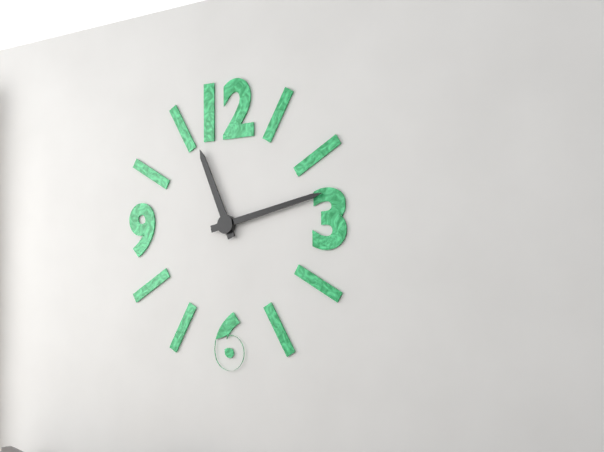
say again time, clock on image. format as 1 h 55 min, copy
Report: 11 h 13 min
